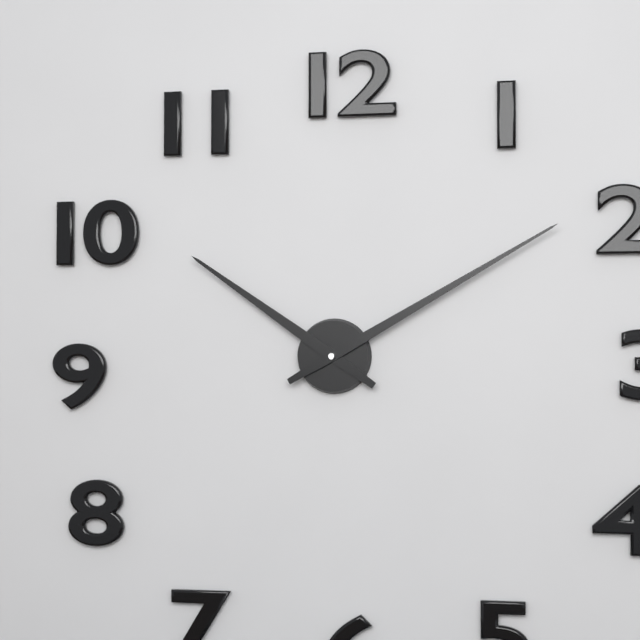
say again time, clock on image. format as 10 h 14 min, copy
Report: 10 h 10 min
